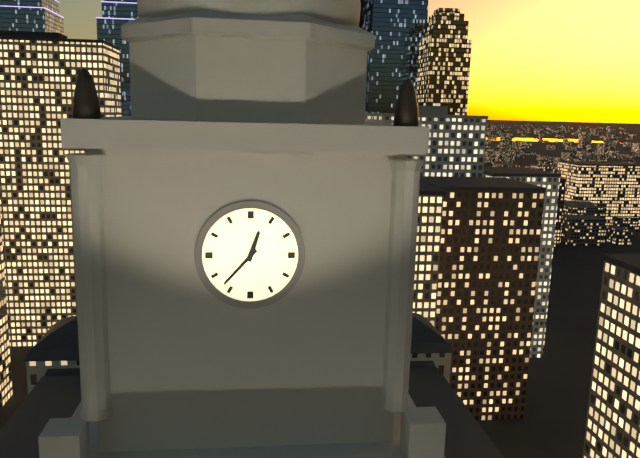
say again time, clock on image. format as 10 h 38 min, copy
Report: 12 h 37 min
